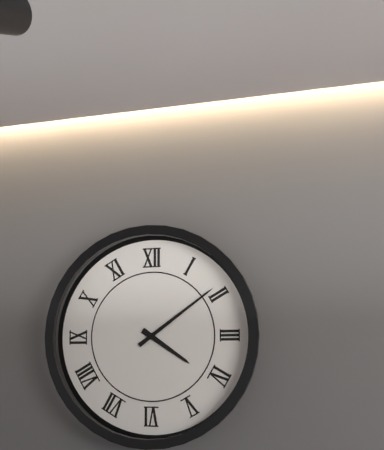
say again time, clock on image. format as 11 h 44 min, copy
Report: 4 h 09 min
